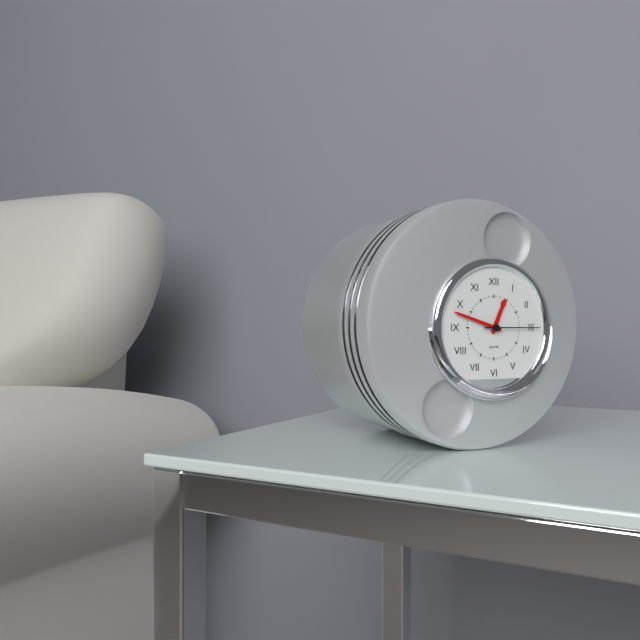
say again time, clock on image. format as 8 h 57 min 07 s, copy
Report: 12 h 48 min 15 s
